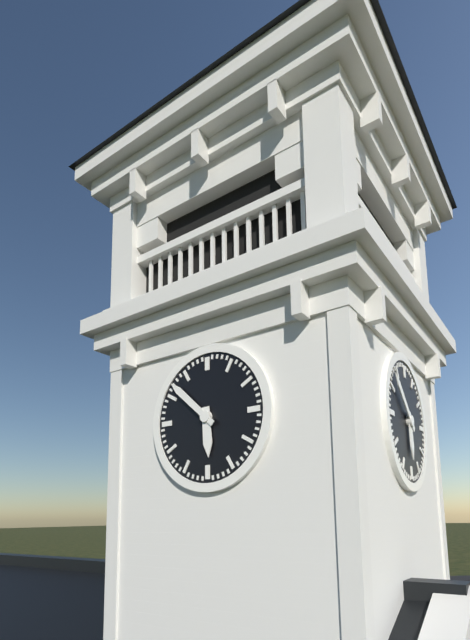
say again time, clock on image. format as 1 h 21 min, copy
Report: 5 h 52 min
